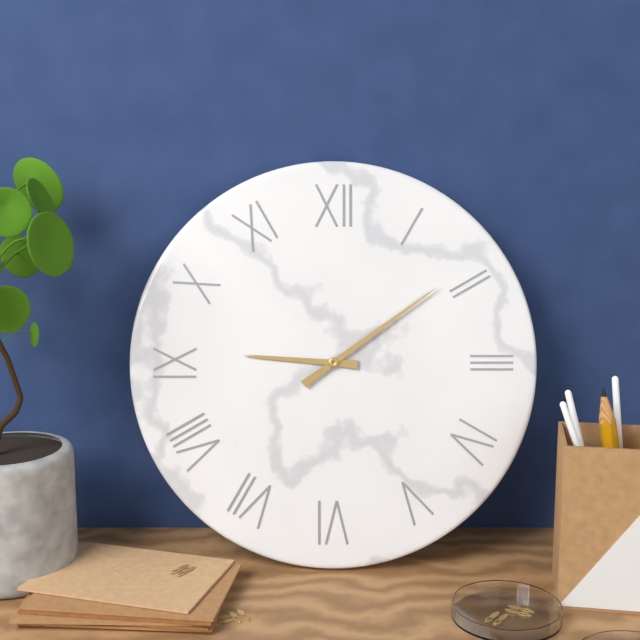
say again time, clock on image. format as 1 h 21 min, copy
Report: 9 h 09 min
